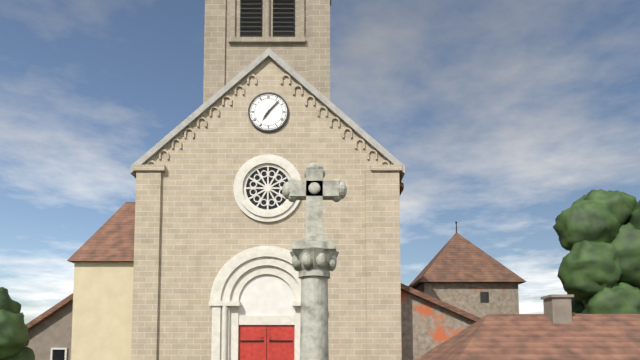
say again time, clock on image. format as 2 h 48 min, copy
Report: 7 h 07 min
